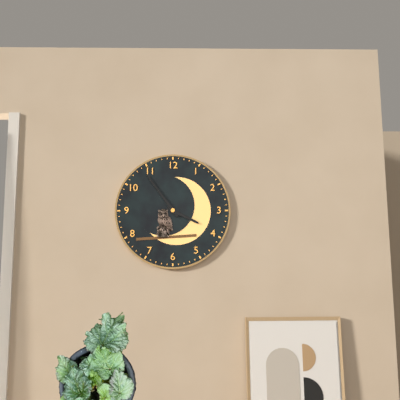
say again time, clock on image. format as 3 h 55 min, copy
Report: 3 h 54 min
